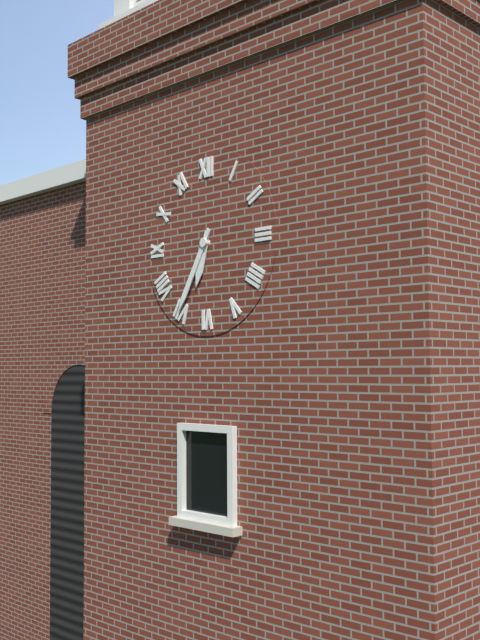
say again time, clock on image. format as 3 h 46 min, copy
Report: 6 h 35 min
